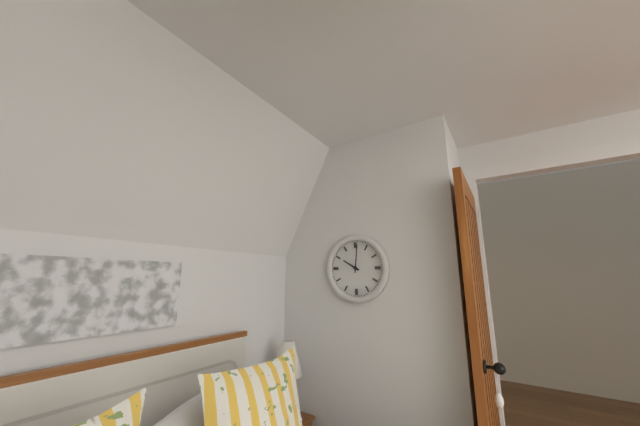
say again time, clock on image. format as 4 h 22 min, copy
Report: 10 h 01 min
